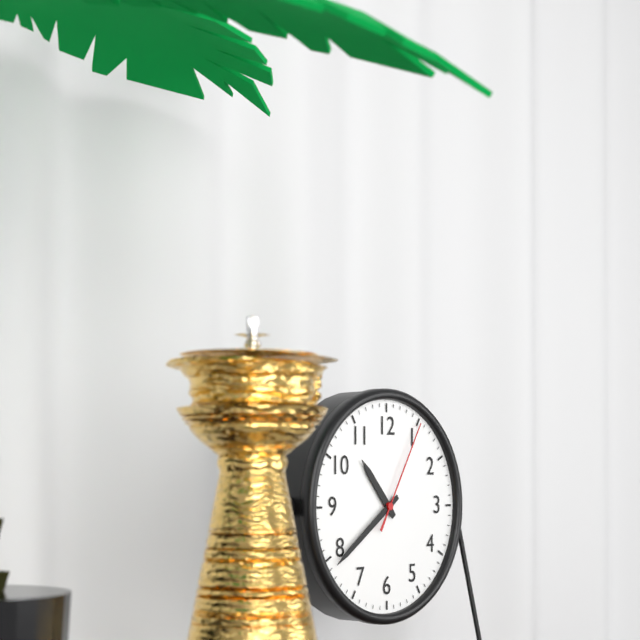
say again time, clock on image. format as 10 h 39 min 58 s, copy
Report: 10 h 39 min 05 s
